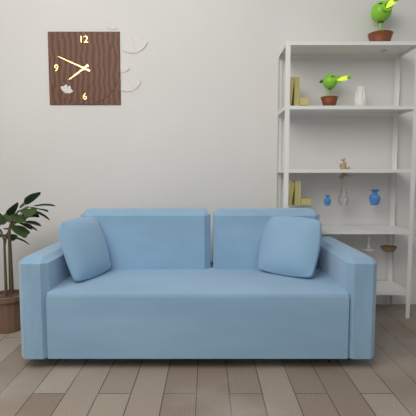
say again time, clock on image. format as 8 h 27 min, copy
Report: 7 h 49 min
